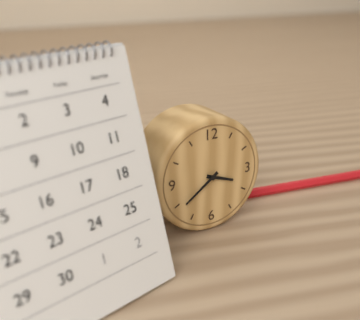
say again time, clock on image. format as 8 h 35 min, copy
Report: 3 h 39 min
